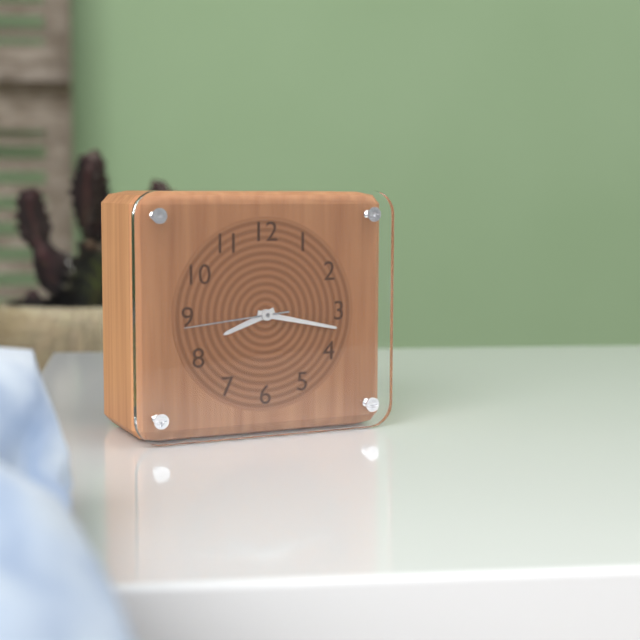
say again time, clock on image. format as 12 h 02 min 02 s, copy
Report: 8 h 17 min 44 s
